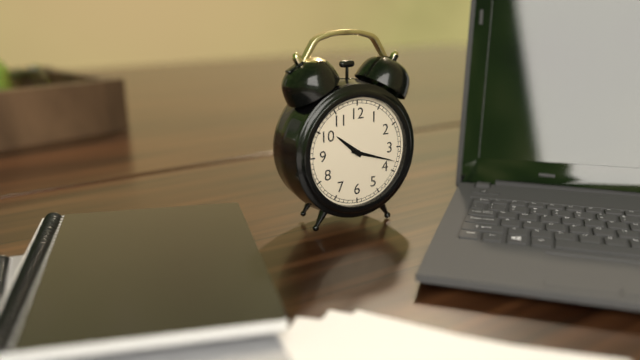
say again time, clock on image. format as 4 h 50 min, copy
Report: 10 h 18 min
